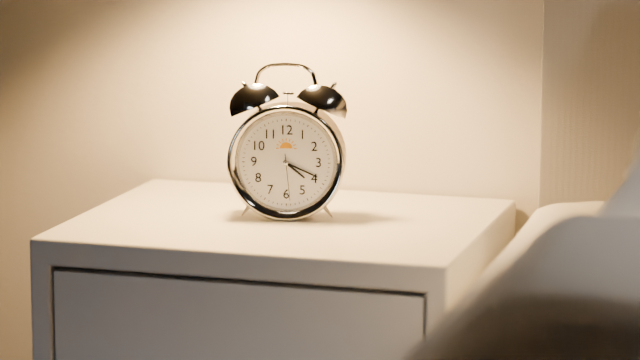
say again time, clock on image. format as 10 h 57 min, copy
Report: 4 h 19 min
